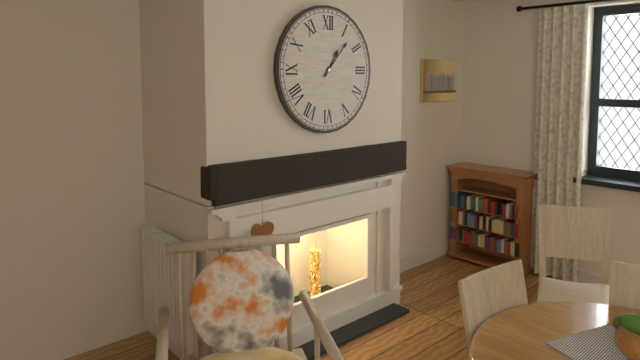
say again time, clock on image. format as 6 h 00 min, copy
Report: 1 h 07 min
